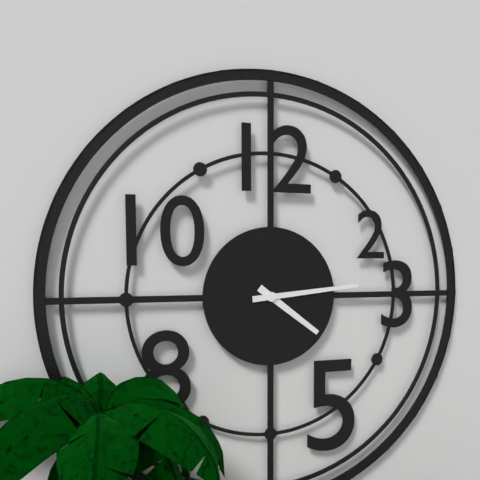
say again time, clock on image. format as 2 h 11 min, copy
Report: 4 h 14 min
